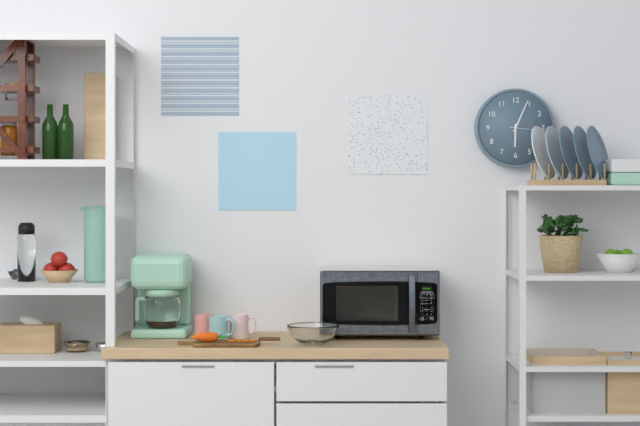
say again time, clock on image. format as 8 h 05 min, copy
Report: 6 h 04 min
